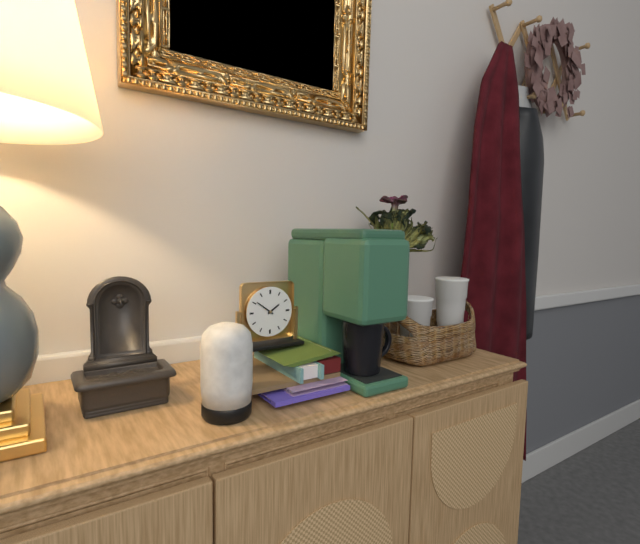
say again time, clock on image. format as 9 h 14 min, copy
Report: 1 h 51 min
